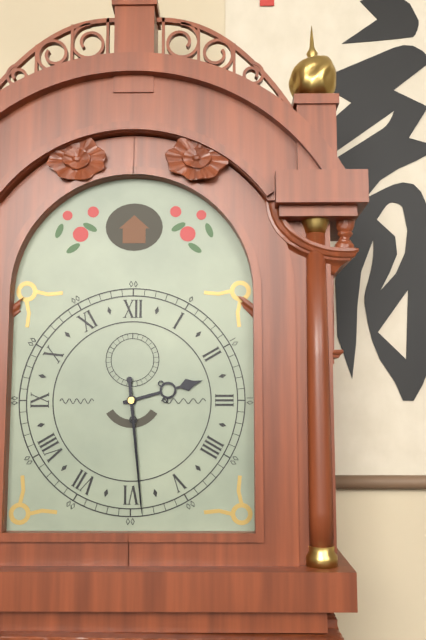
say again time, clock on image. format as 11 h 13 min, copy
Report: 2 h 29 min
